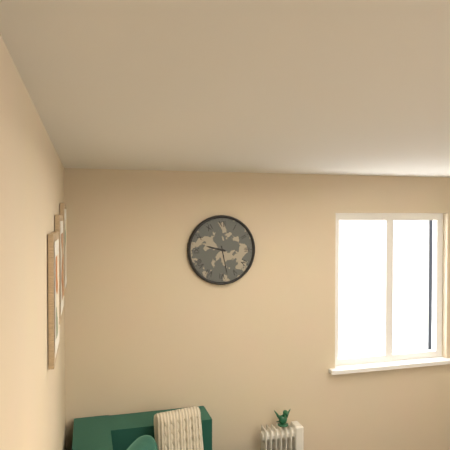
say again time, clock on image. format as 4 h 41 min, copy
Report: 9 h 28 min
